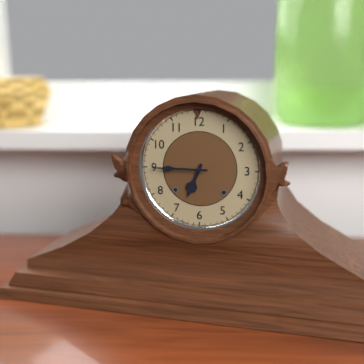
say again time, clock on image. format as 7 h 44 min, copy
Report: 6 h 45 min
